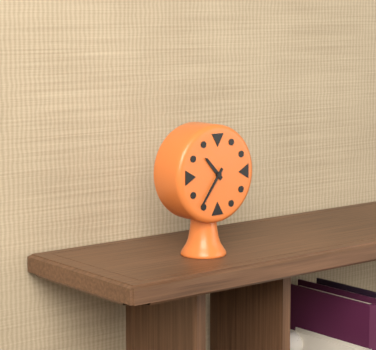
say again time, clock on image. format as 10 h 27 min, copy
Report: 10 h 36 min
